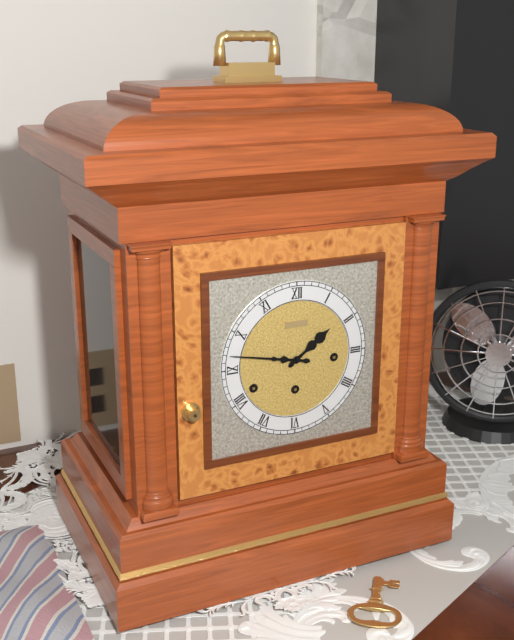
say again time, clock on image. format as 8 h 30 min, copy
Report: 1 h 47 min
